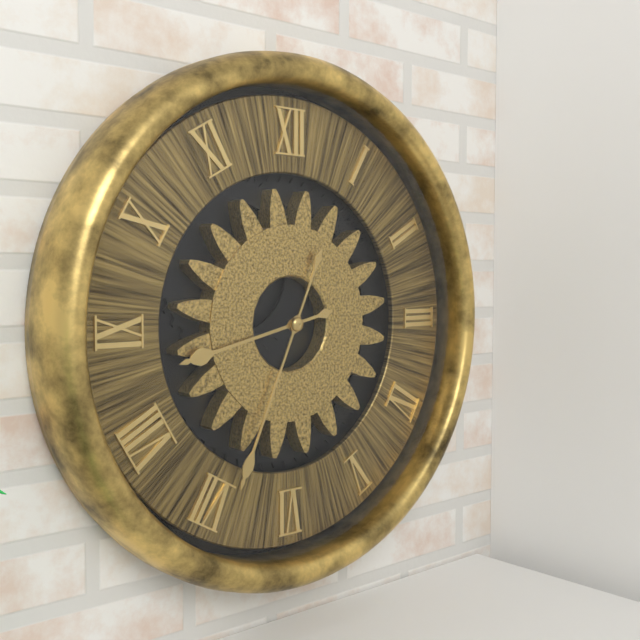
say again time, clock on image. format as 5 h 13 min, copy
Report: 8 h 34 min
